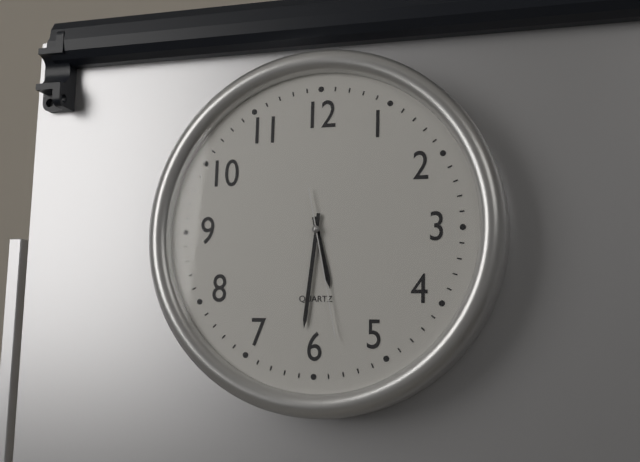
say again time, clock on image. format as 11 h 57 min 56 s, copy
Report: 5 h 31 min 28 s
